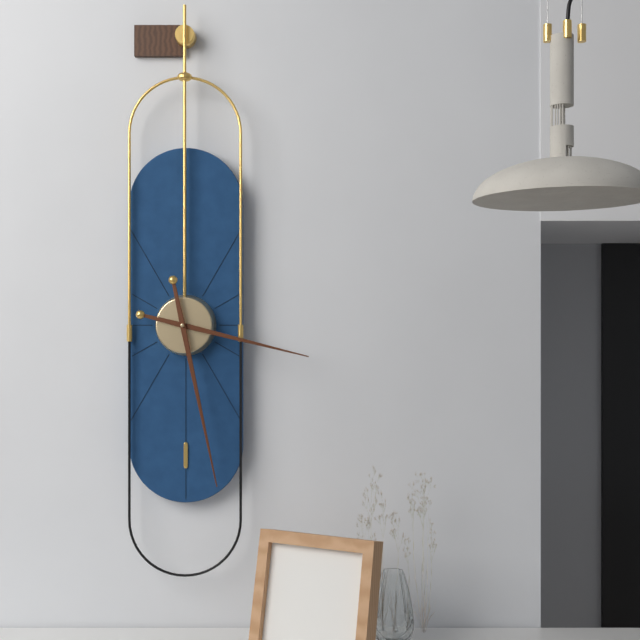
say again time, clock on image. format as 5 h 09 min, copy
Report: 3 h 28 min
